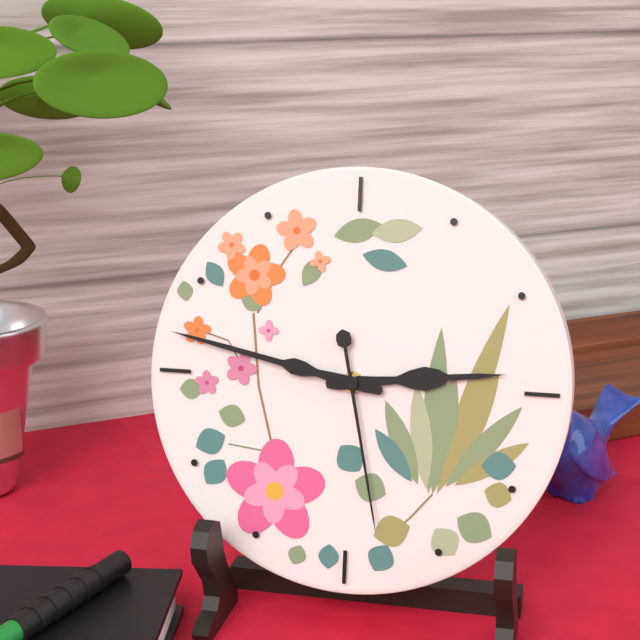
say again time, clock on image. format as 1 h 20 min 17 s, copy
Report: 2 h 47 min 28 s
